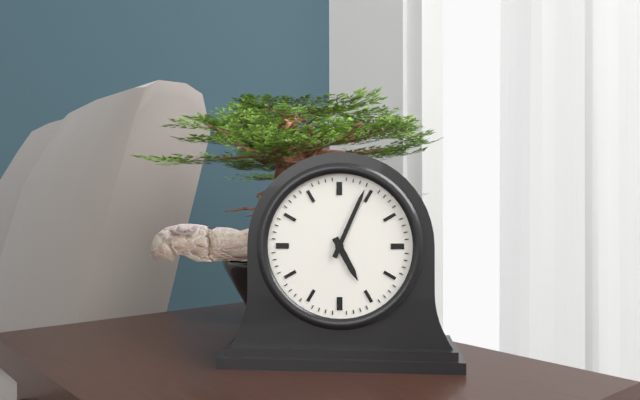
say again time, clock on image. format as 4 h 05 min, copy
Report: 5 h 04 min
